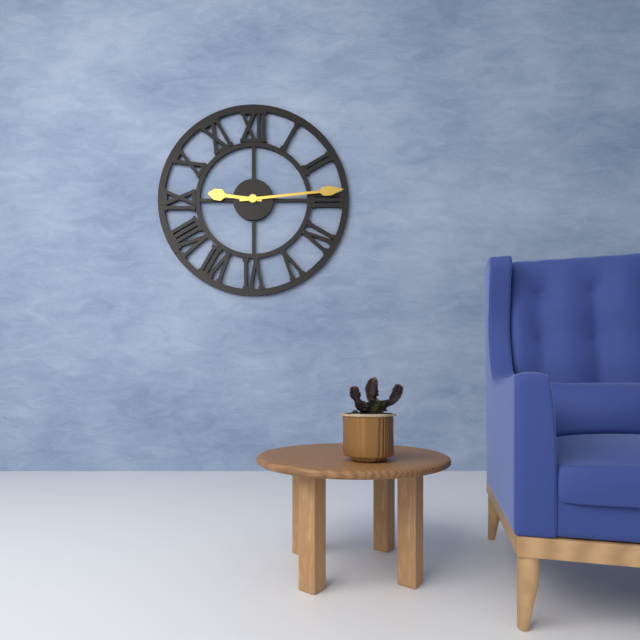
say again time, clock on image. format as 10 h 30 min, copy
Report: 9 h 14 min
